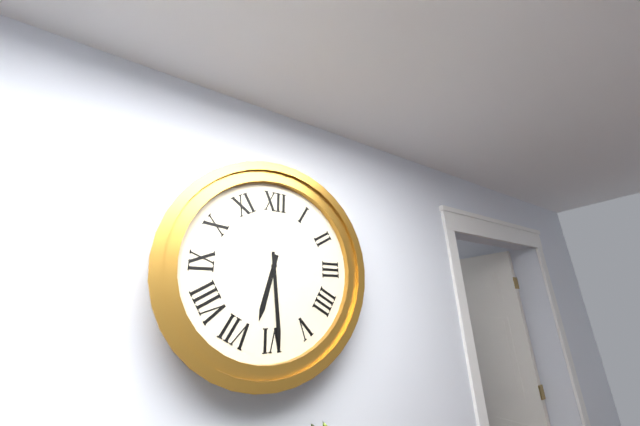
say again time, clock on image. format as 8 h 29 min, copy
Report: 6 h 29 min
